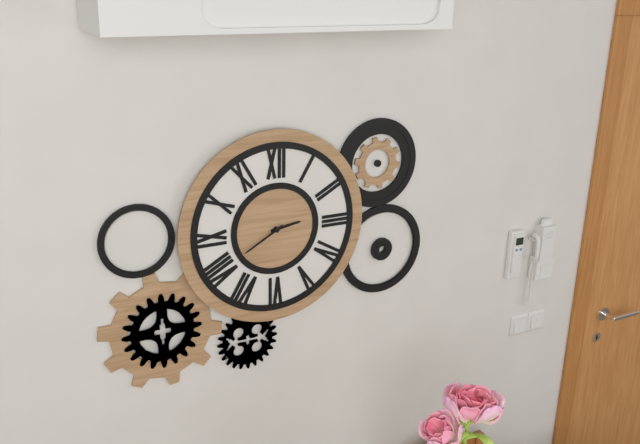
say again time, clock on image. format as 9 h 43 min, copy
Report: 2 h 40 min
